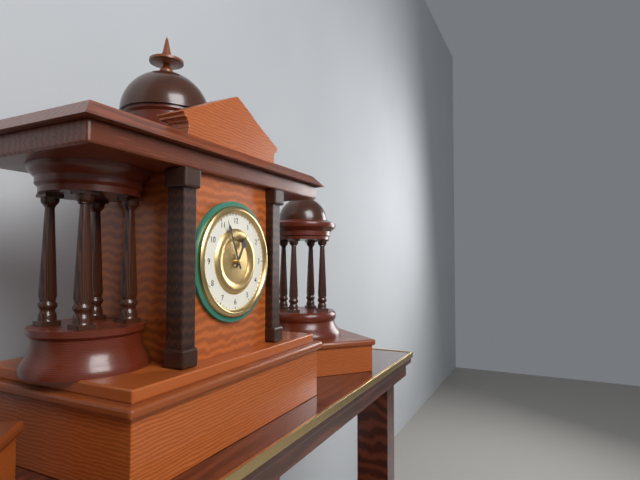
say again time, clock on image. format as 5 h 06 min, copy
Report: 12 h 56 min
